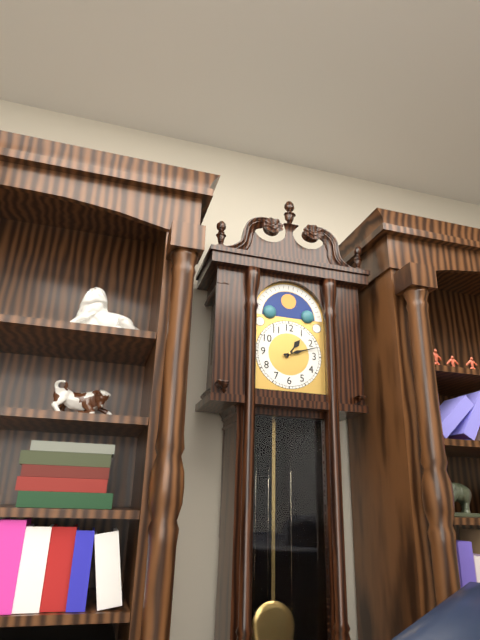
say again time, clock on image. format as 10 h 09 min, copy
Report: 1 h 12 min
